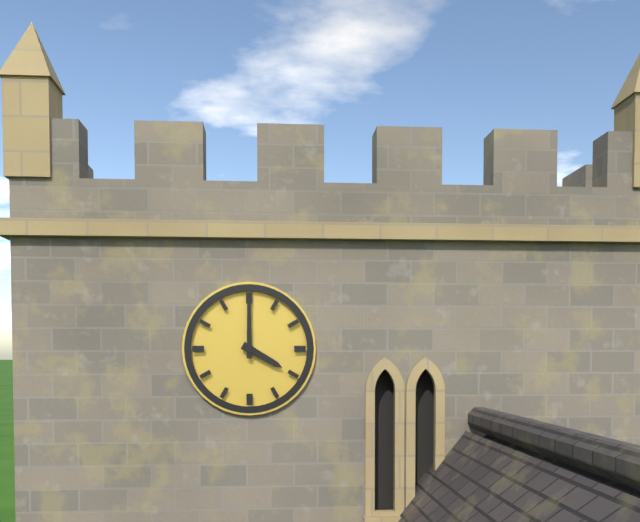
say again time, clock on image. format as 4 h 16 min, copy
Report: 4 h 00 min
